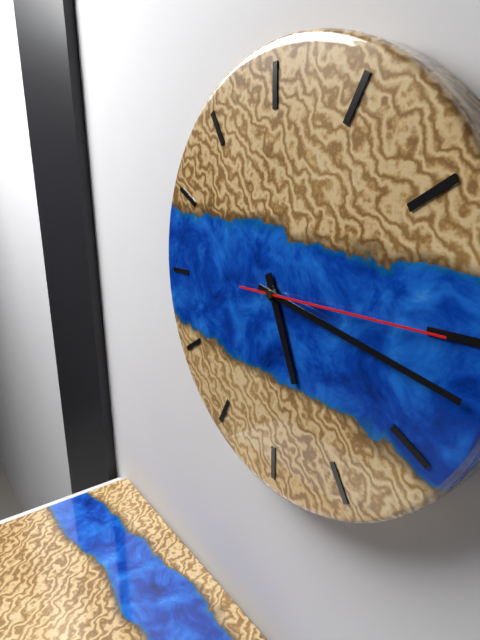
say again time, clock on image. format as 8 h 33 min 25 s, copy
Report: 5 h 17 min 15 s
